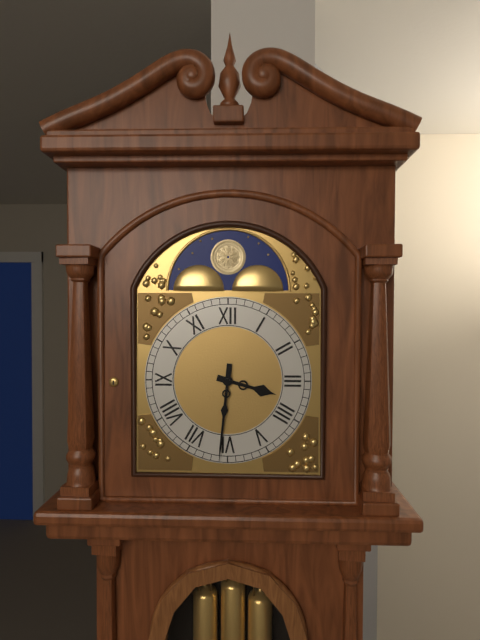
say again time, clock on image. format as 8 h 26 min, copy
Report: 3 h 31 min
